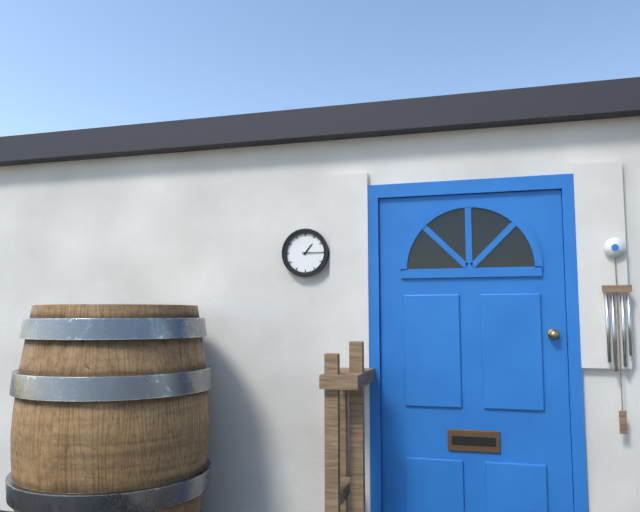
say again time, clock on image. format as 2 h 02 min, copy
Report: 1 h 15 min
